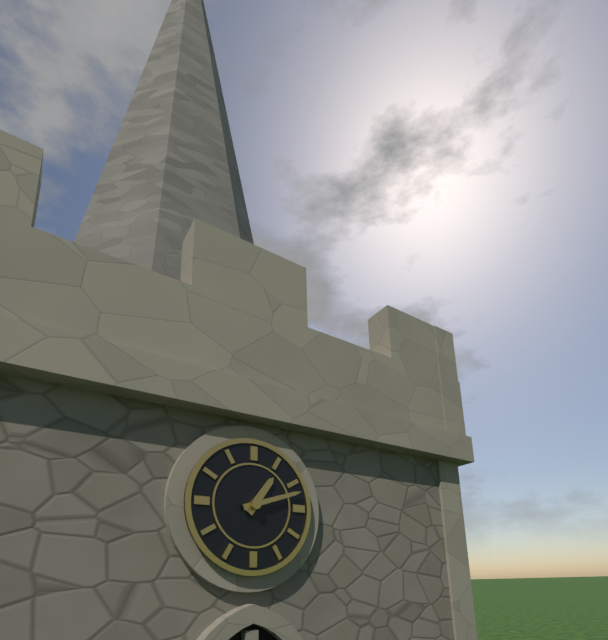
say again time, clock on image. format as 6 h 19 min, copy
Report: 1 h 12 min
